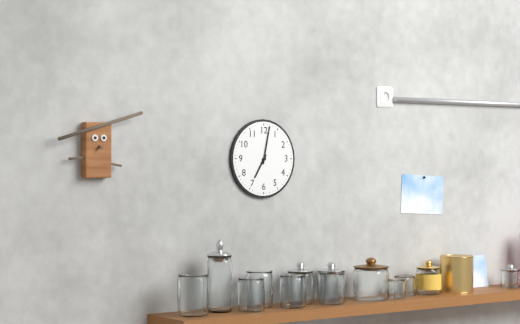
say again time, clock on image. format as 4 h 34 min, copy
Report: 7 h 02 min
